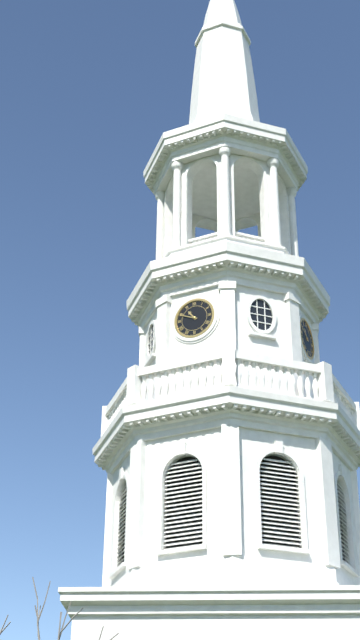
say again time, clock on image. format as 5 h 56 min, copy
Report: 10 h 49 min
